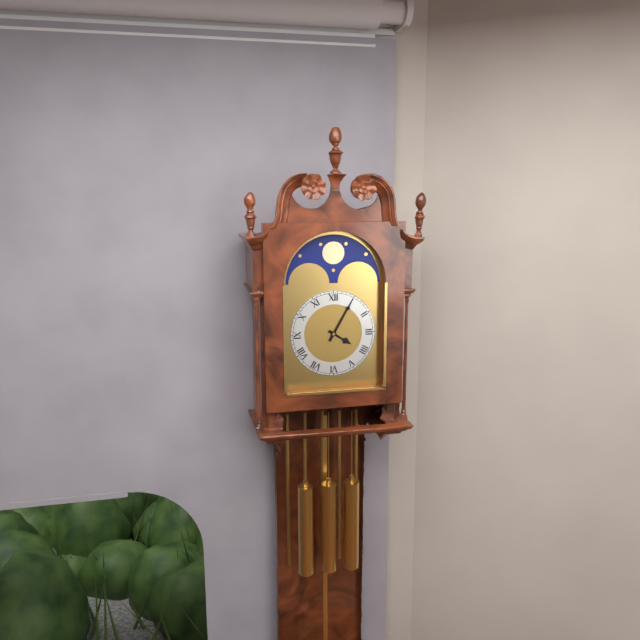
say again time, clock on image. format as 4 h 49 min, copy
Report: 4 h 05 min
